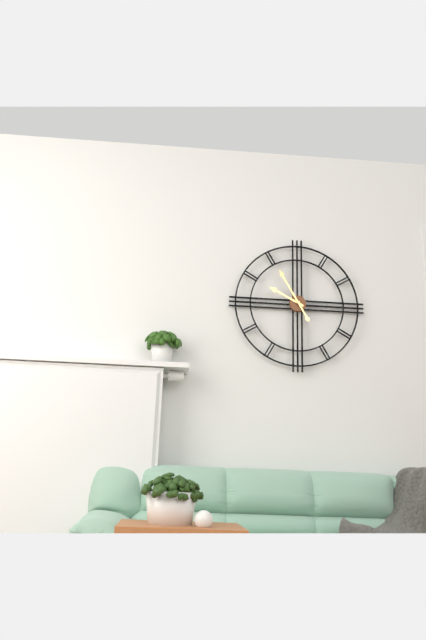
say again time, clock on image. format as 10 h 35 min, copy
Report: 9 h 55 min
